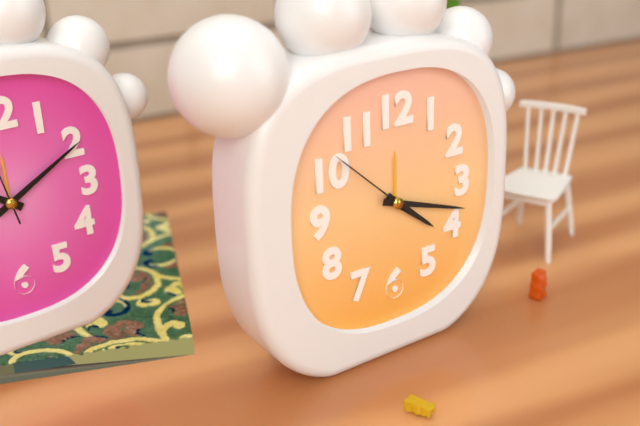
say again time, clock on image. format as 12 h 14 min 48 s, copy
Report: 4 h 18 min 52 s
